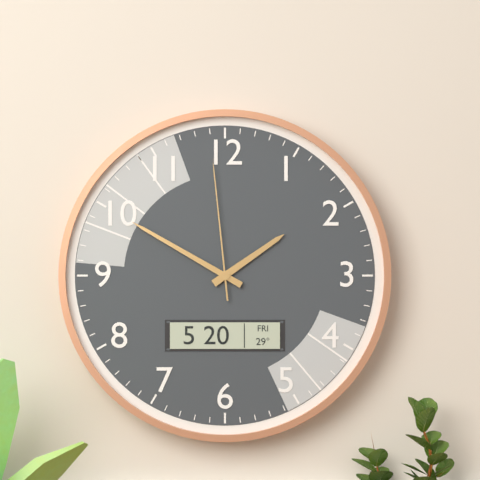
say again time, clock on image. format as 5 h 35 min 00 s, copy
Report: 1 h 50 min 59 s
